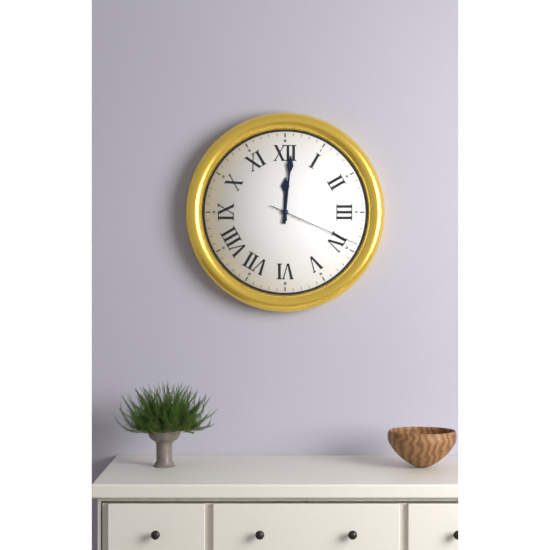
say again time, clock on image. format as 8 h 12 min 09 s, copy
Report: 12 h 01 min 19 s
